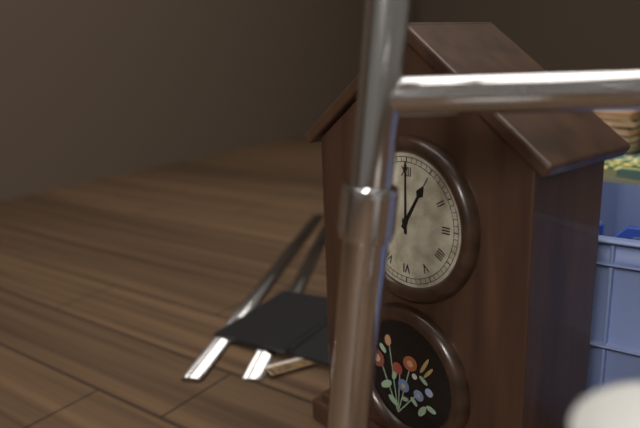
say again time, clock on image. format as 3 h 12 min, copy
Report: 1 h 00 min
